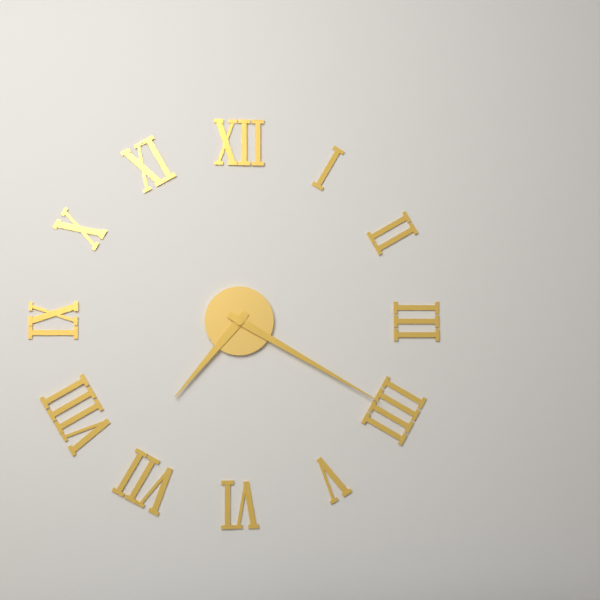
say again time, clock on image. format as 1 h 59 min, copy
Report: 7 h 20 min
